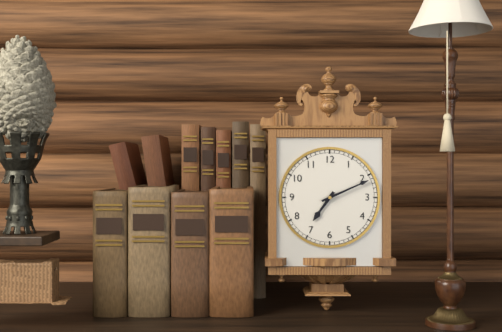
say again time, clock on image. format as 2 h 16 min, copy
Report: 7 h 11 min
